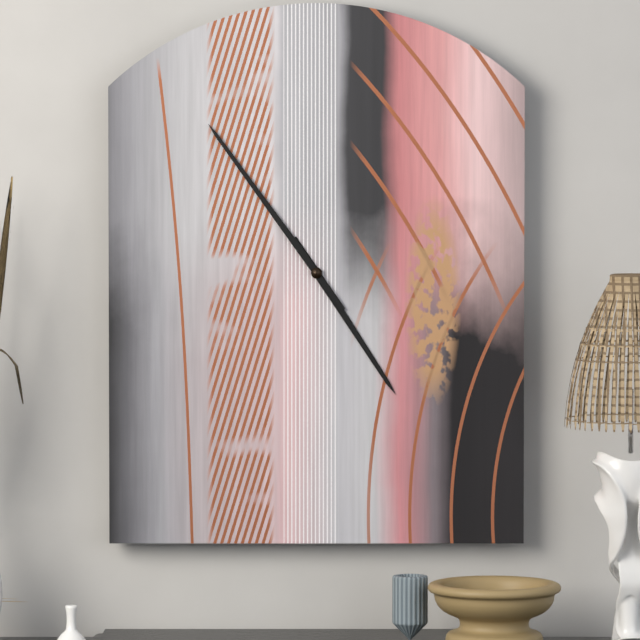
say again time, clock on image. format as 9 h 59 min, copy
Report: 4 h 54 min
